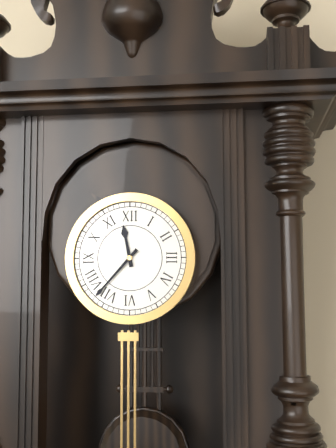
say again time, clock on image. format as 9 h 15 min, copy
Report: 11 h 37 min
